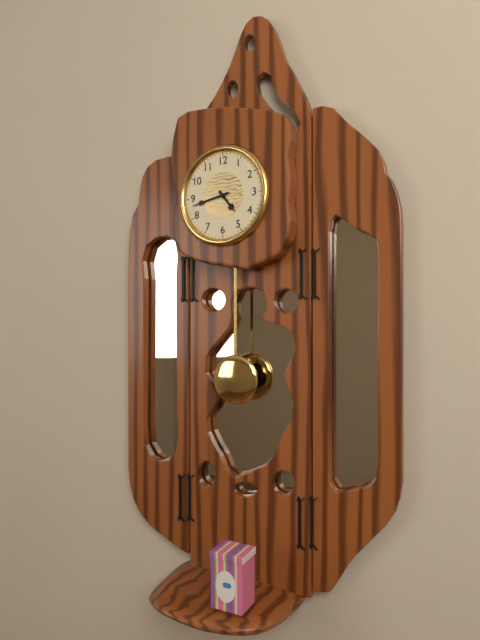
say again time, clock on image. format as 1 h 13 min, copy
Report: 4 h 43 min
